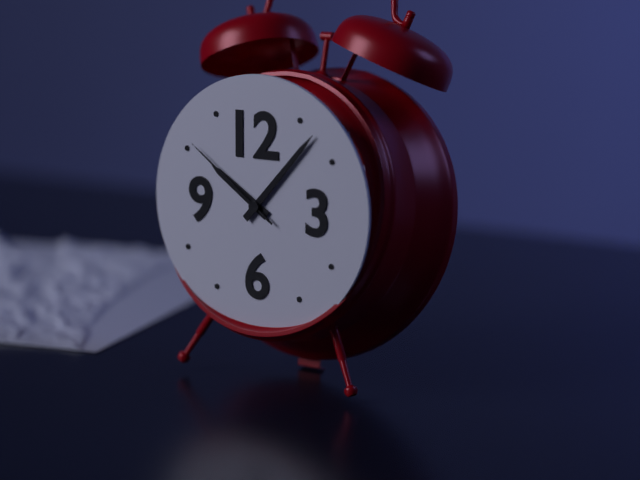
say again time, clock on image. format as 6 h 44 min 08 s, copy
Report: 10 h 07 min 51 s
